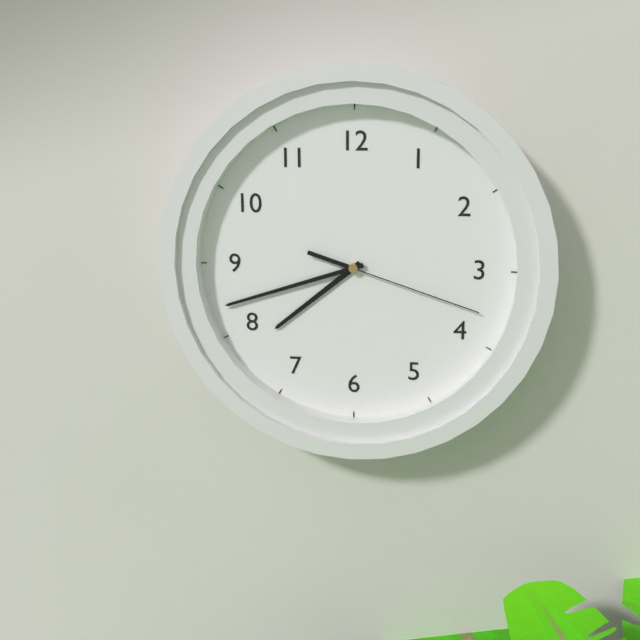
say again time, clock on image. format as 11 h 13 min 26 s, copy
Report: 7 h 42 min 18 s
